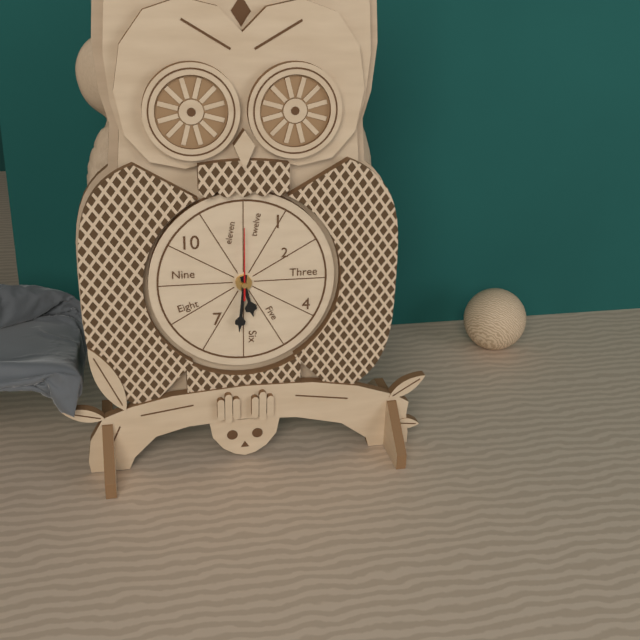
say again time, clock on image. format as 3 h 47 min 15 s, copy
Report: 5 h 31 min 00 s
